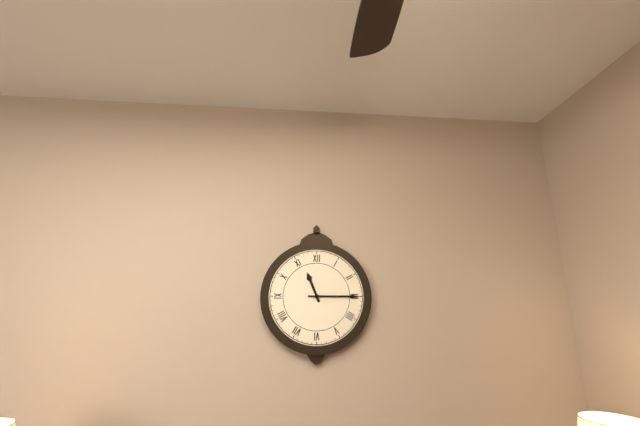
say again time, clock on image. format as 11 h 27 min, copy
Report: 11 h 15 min
